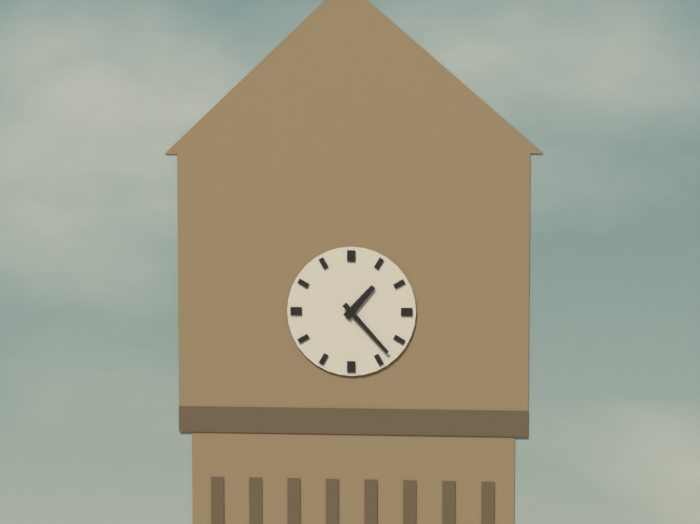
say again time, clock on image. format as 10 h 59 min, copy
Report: 1 h 23 min
